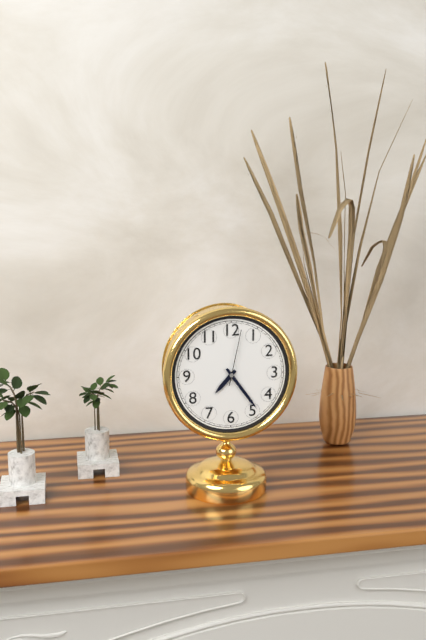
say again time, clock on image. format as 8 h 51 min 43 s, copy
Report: 7 h 24 min 02 s
